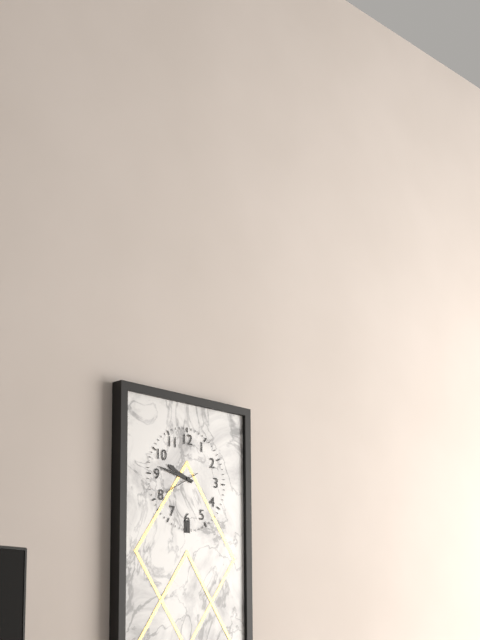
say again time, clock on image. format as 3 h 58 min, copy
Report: 9 h 47 min
